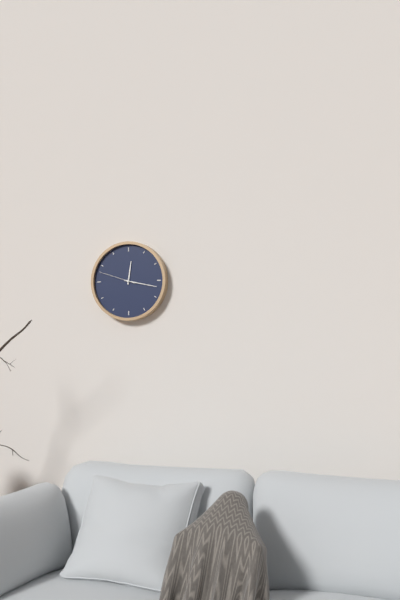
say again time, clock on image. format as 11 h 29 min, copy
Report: 12 h 17 min
